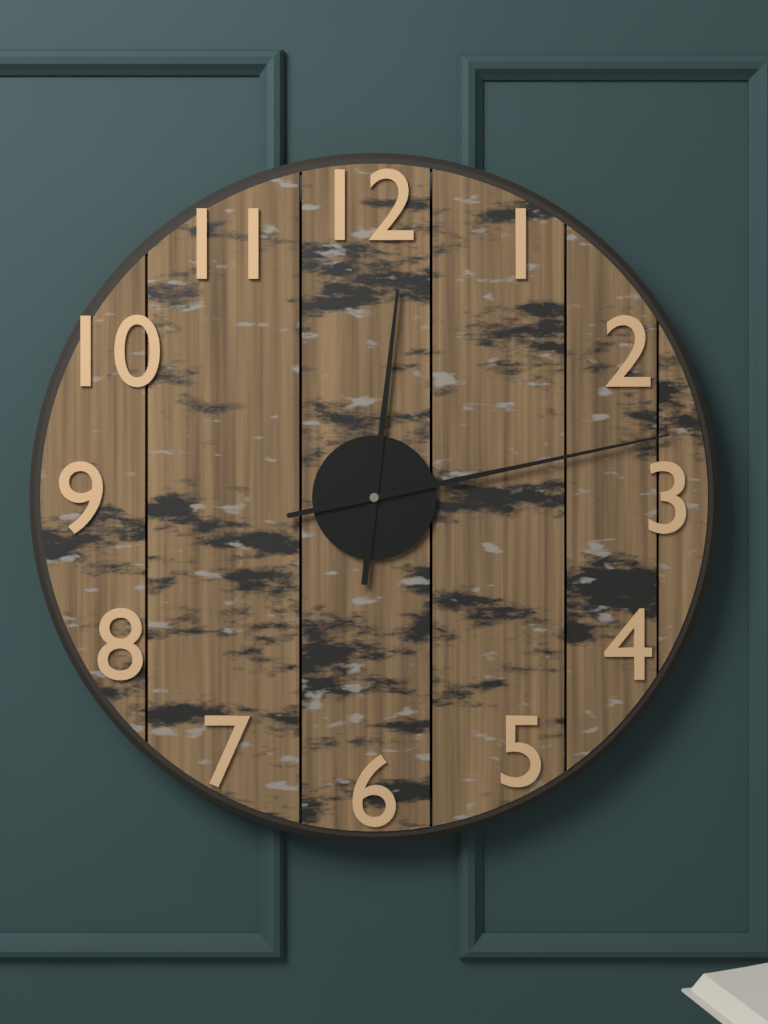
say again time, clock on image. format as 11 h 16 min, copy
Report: 12 h 13 min
